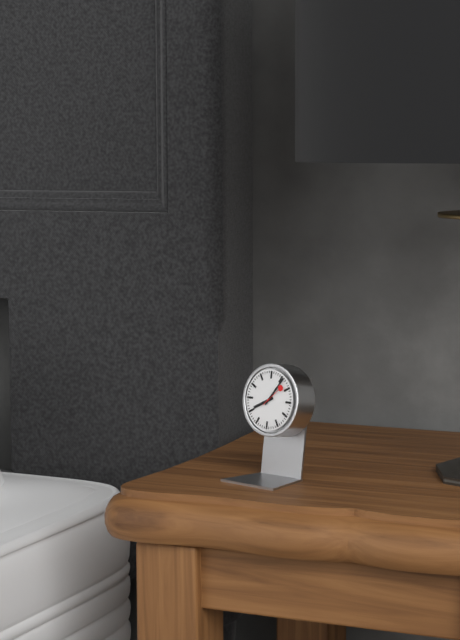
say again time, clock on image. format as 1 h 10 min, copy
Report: 8 h 06 min
